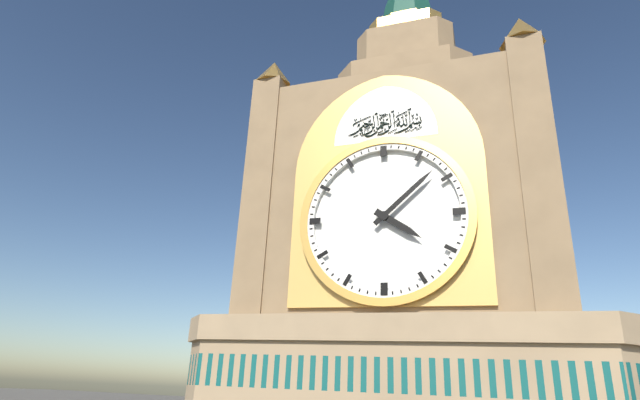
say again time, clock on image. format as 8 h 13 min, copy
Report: 4 h 08 min
